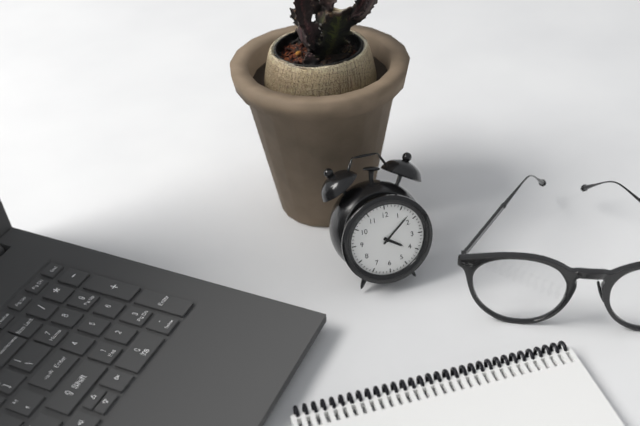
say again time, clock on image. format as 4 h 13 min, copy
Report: 4 h 08 min
